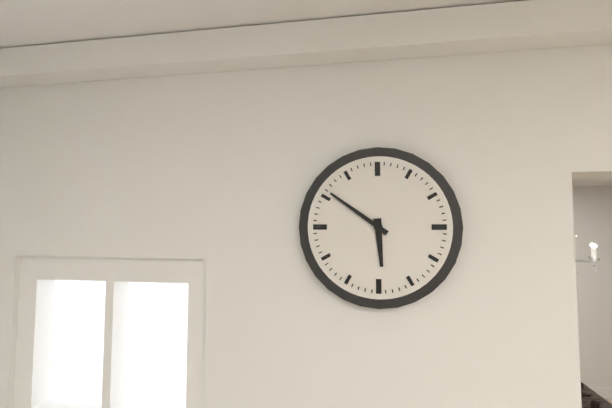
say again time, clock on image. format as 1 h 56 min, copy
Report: 5 h 51 min
